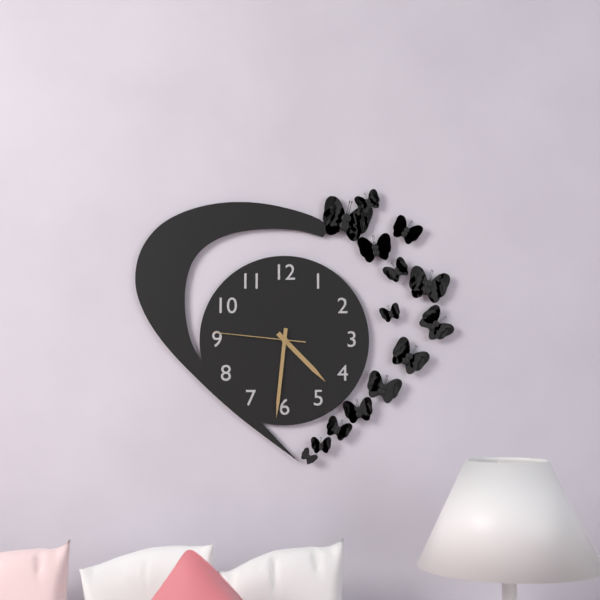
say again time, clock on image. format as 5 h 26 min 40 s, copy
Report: 4 h 31 min 46 s
